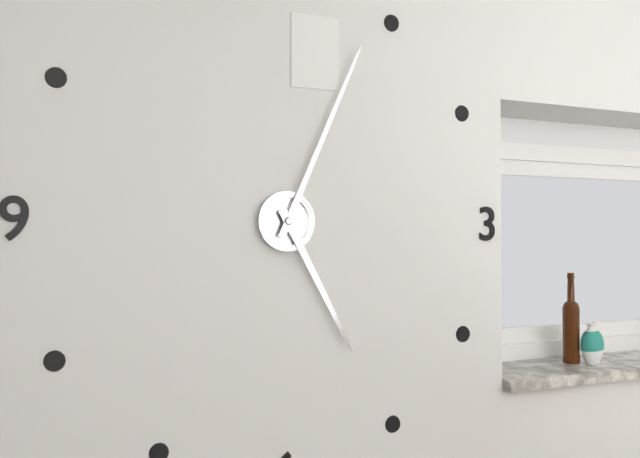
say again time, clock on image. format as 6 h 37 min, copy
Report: 5 h 04 min
